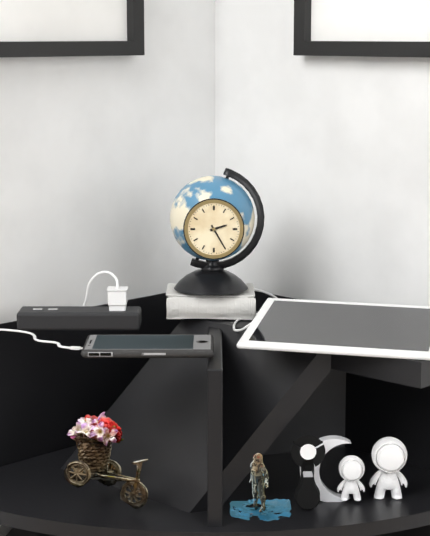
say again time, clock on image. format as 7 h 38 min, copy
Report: 2 h 25 min
